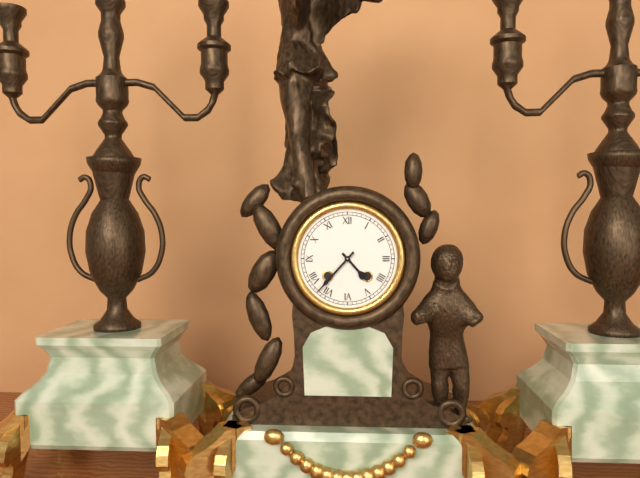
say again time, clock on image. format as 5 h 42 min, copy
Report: 4 h 37 min
